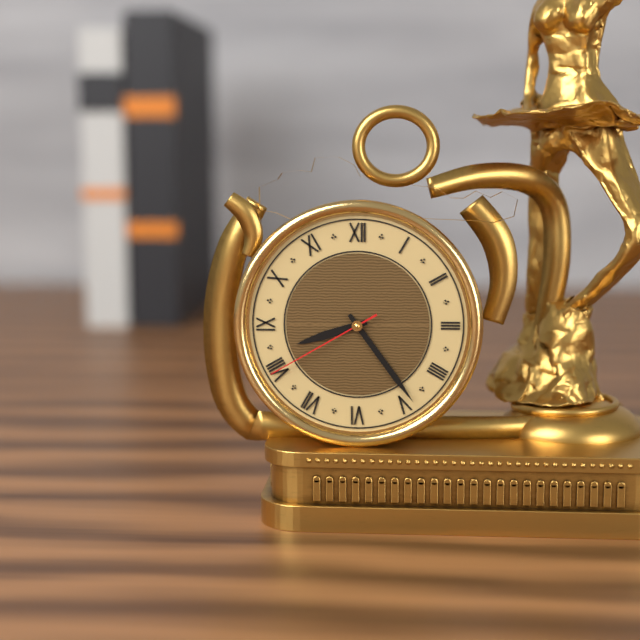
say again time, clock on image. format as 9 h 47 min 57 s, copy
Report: 8 h 24 min 40 s
